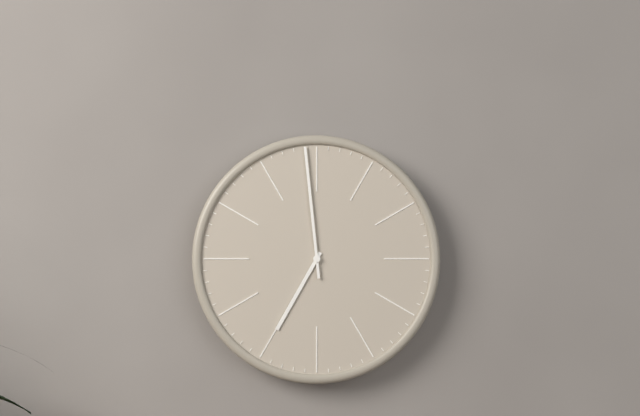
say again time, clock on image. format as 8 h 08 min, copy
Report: 6 h 59 min
